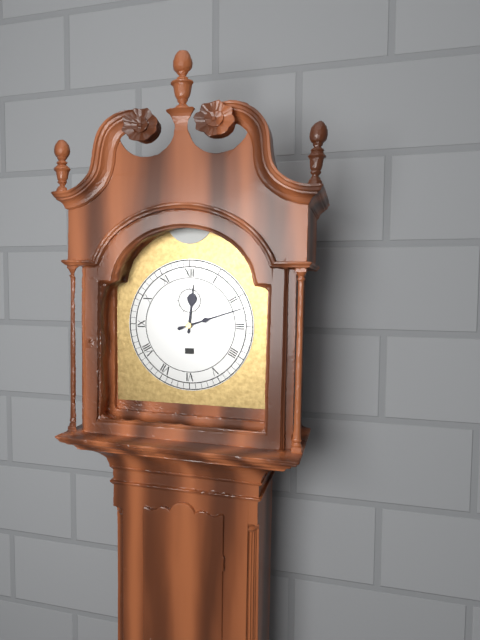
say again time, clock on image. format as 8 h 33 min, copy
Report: 12 h 12 min
